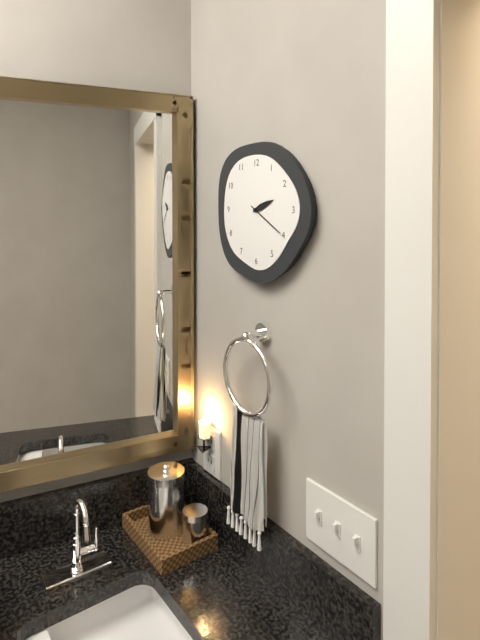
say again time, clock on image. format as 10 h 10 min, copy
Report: 2 h 20 min
